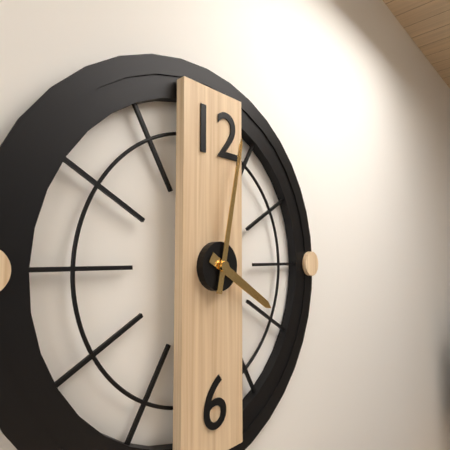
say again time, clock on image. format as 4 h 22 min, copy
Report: 4 h 02 min
